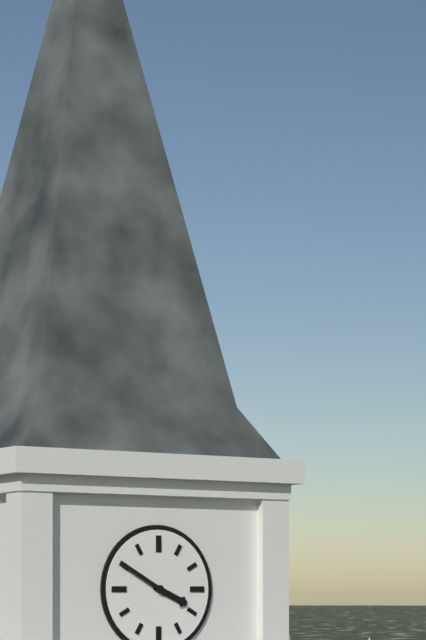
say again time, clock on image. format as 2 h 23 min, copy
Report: 3 h 50 min
